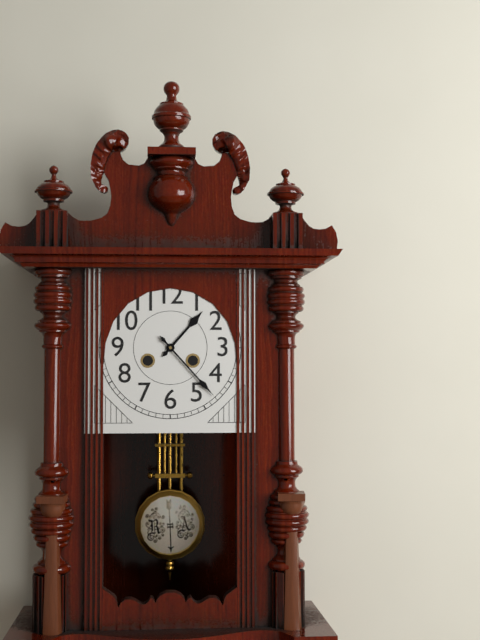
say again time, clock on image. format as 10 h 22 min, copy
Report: 1 h 23 min
